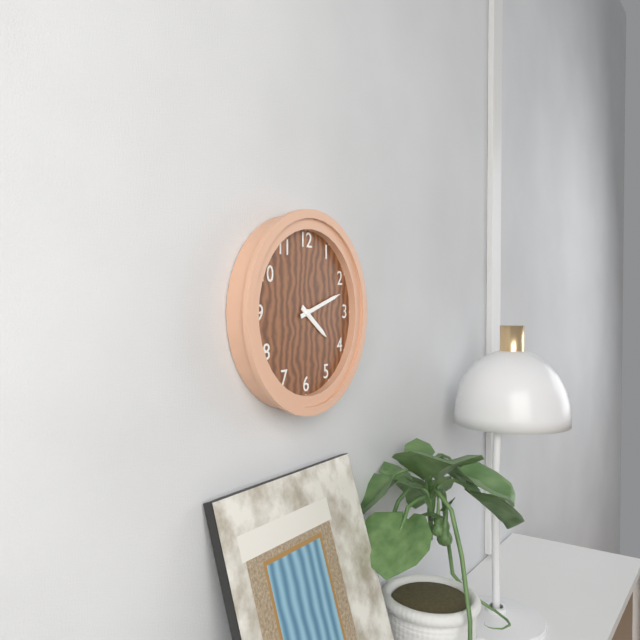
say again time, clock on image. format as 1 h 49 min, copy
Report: 4 h 12 min
